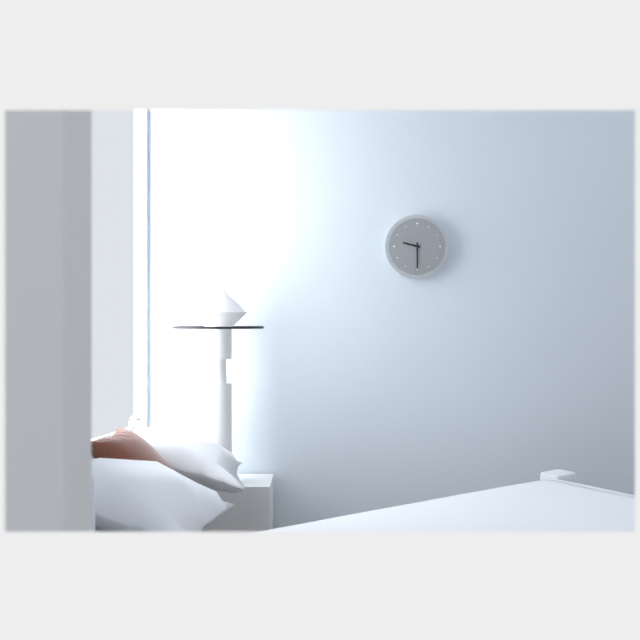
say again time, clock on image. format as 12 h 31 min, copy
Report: 9 h 30 min
